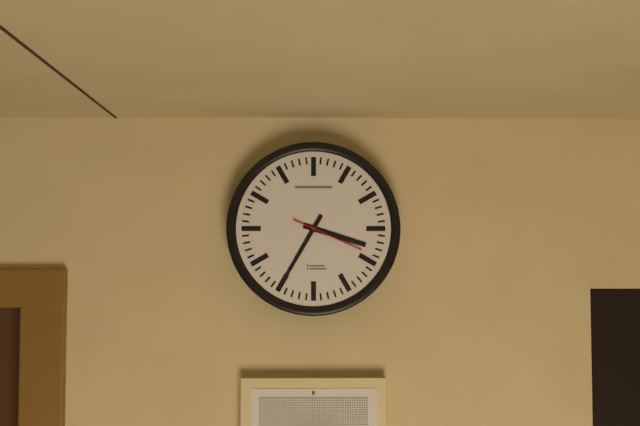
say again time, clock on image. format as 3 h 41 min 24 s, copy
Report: 3 h 35 min 19 s
